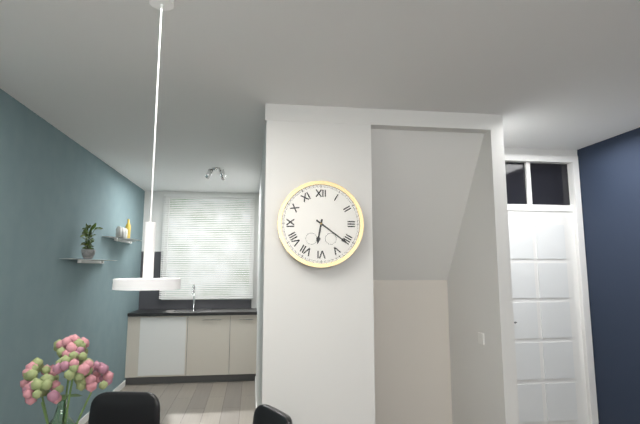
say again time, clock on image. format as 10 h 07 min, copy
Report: 6 h 21 min
